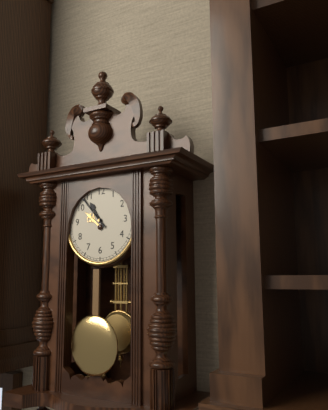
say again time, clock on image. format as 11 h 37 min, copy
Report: 10 h 53 min
